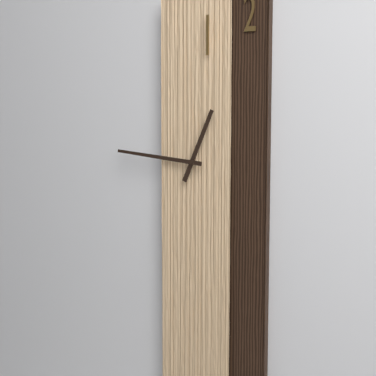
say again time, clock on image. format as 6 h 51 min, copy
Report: 12 h 46 min
